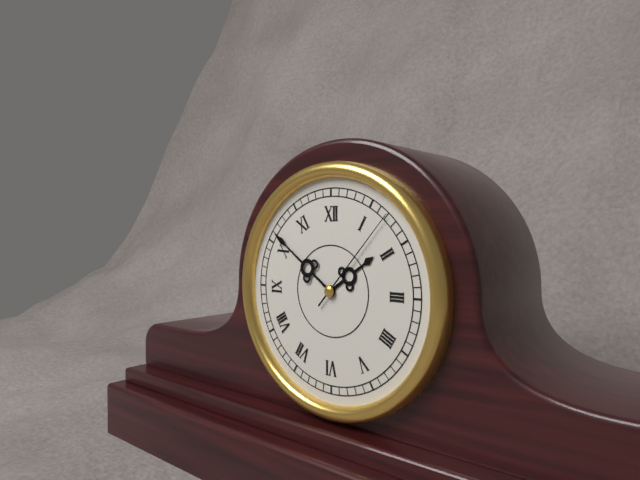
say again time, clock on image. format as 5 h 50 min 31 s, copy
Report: 1 h 51 min 07 s
